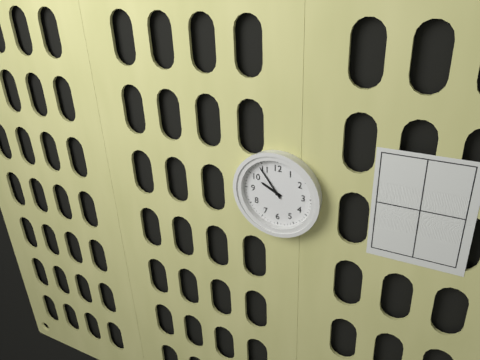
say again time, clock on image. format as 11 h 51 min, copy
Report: 9 h 54 min
